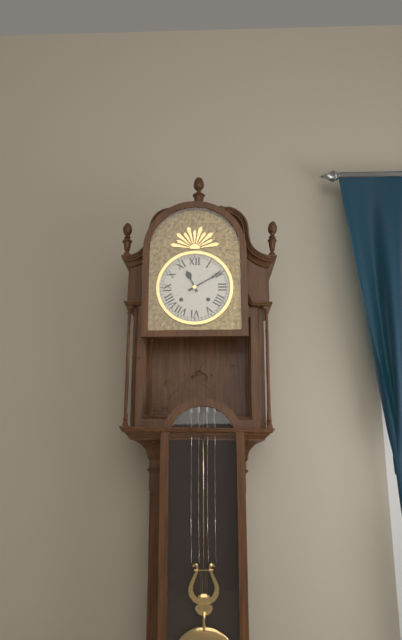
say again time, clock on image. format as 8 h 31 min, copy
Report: 11 h 10 min
